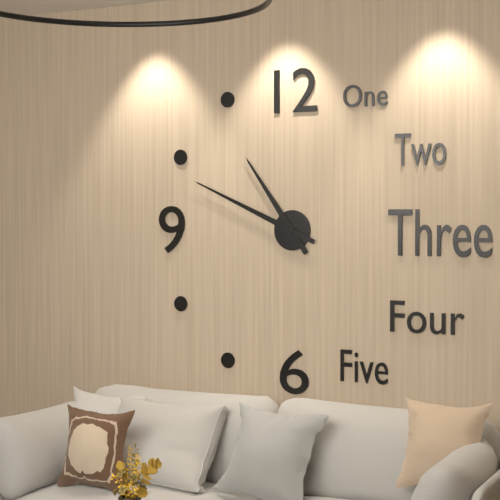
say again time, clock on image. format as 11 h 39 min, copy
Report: 10 h 49 min
